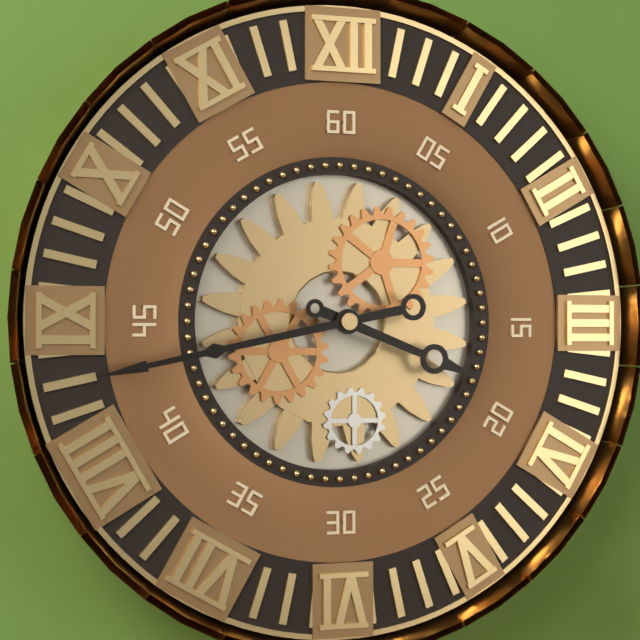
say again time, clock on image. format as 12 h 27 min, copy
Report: 3 h 43 min
